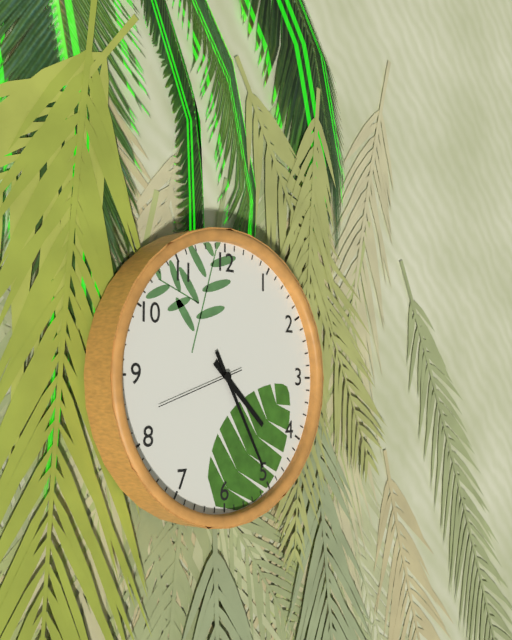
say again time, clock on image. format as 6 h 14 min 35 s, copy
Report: 4 h 25 min 42 s
